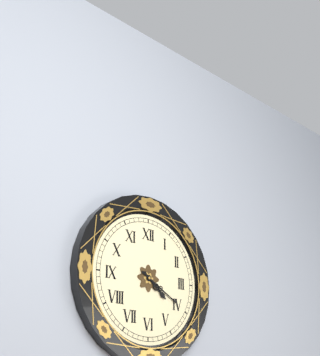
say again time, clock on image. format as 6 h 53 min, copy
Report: 4 h 20 min
